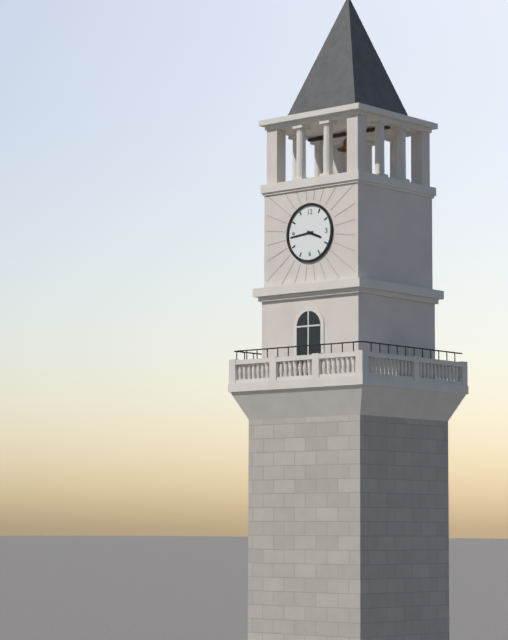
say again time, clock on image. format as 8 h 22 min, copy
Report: 3 h 44 min
